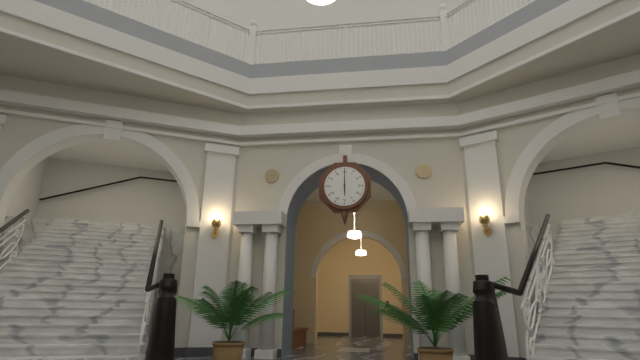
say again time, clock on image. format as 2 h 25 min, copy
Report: 6 h 00 min
